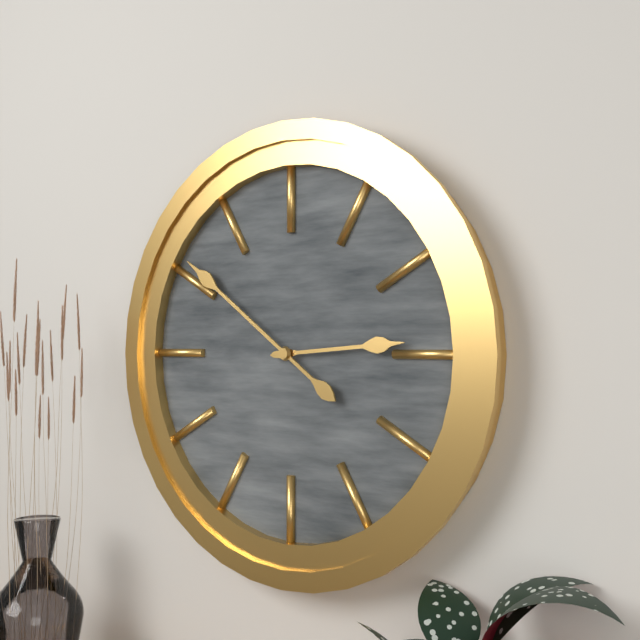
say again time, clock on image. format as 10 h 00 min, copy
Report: 2 h 51 min
